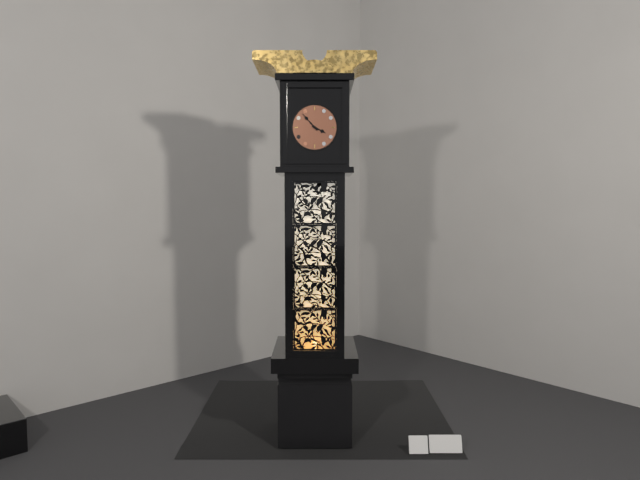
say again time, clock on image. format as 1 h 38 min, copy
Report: 3 h 53 min
